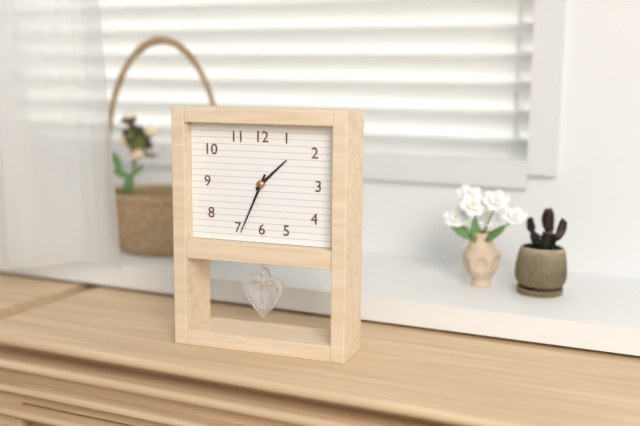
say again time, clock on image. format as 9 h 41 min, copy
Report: 1 h 34 min
